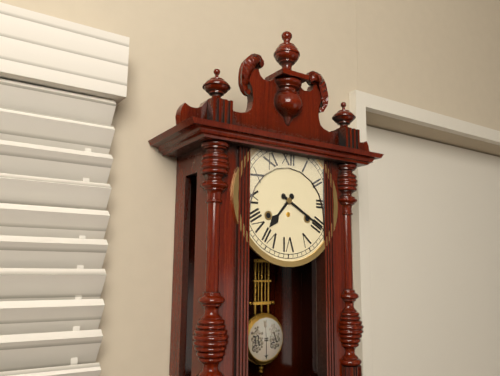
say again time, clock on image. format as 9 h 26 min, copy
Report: 7 h 20 min
